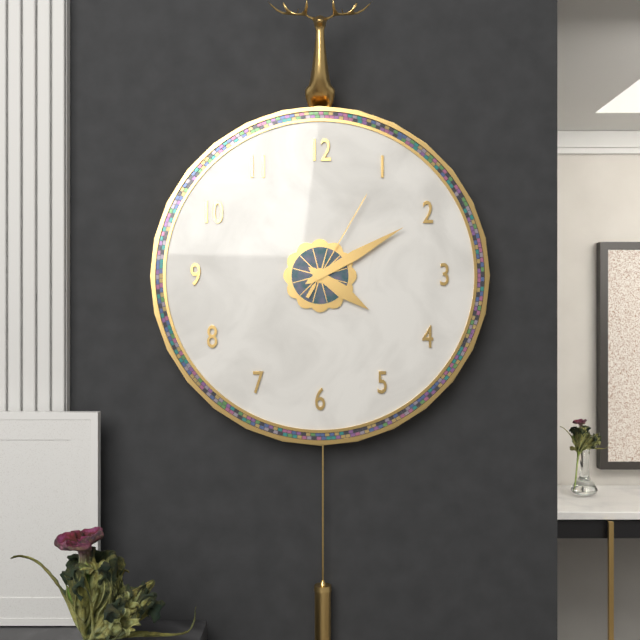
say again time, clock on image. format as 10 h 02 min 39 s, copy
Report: 4 h 10 min 05 s
